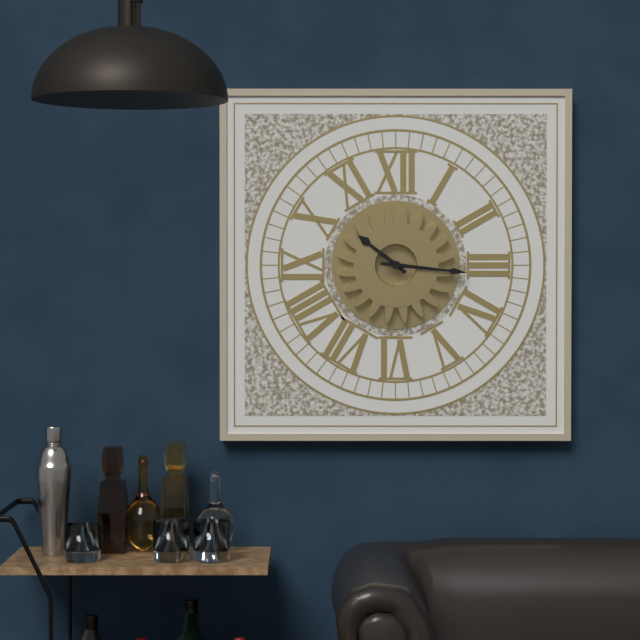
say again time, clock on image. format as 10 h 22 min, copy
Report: 10 h 16 min
